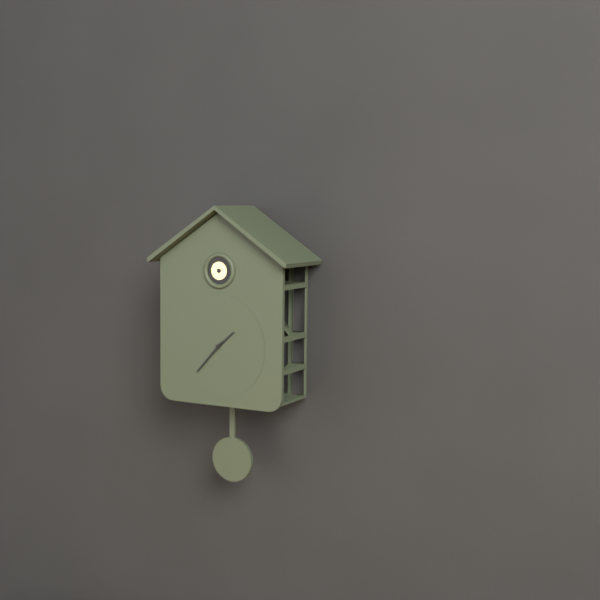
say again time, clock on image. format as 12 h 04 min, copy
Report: 1 h 37 min
